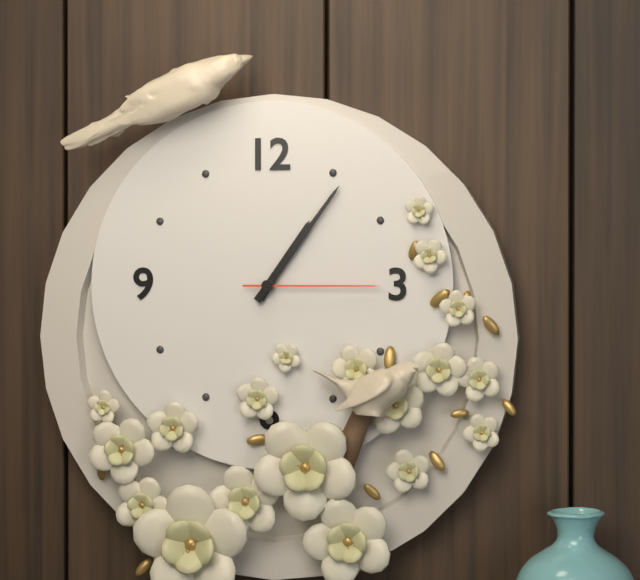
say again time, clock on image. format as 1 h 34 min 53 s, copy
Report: 1 h 06 min 15 s
